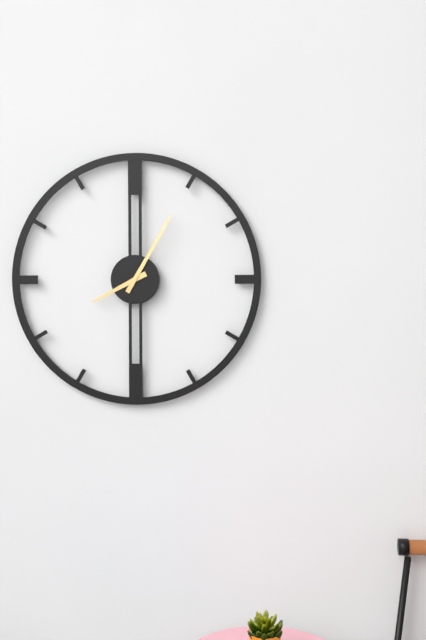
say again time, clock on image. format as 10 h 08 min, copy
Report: 8 h 05 min
